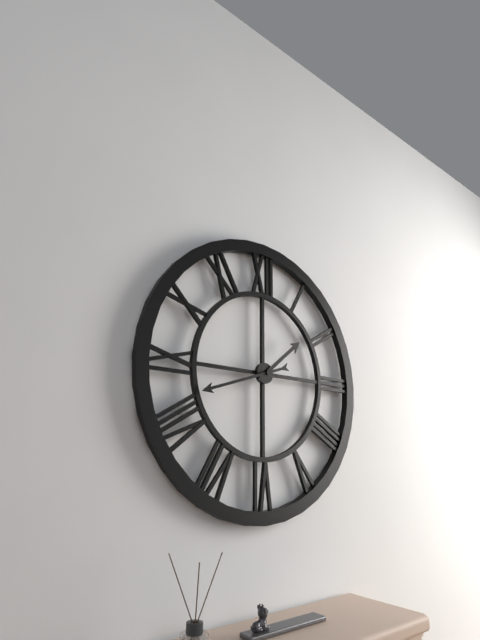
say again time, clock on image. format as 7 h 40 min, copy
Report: 1 h 42 min
